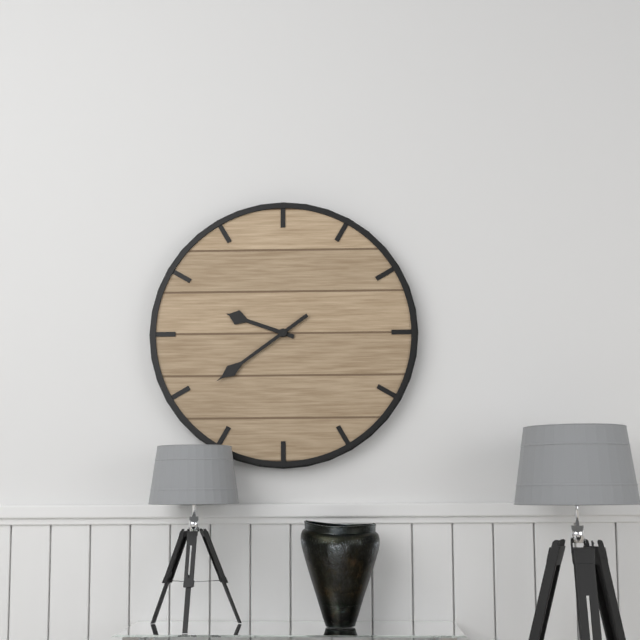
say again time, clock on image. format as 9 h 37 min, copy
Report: 9 h 39 min
